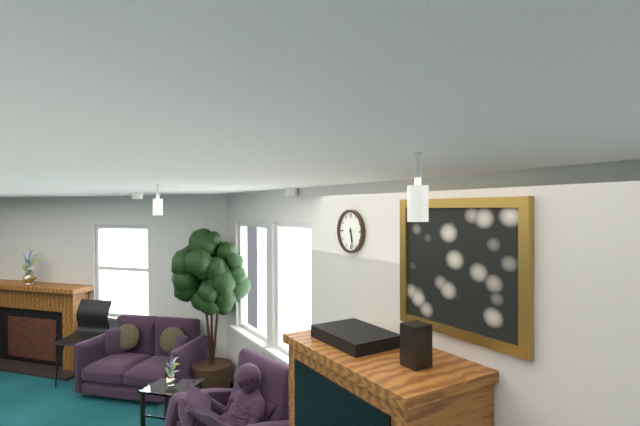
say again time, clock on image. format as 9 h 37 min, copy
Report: 5 h 28 min
